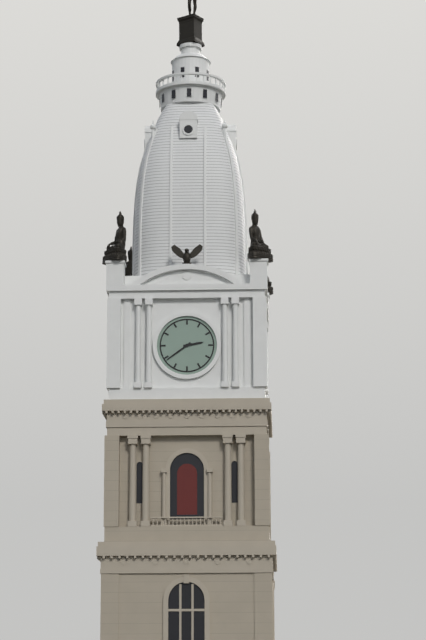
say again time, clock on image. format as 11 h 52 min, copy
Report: 2 h 39 min
